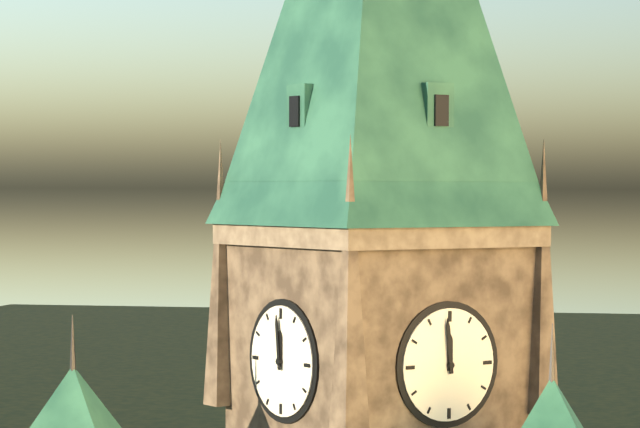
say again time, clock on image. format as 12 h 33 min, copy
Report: 11 h 59 min
